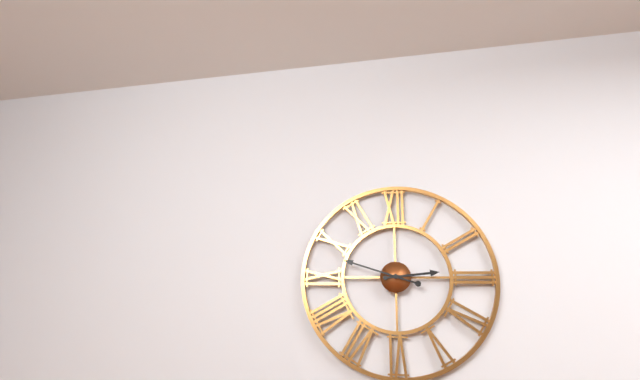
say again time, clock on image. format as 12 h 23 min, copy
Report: 2 h 48 min
